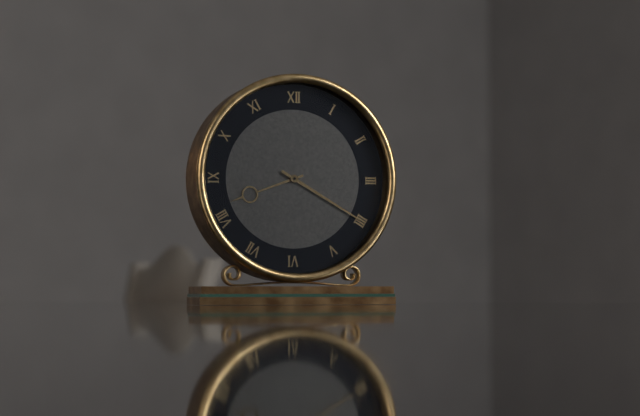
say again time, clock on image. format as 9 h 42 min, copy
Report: 8 h 20 min
